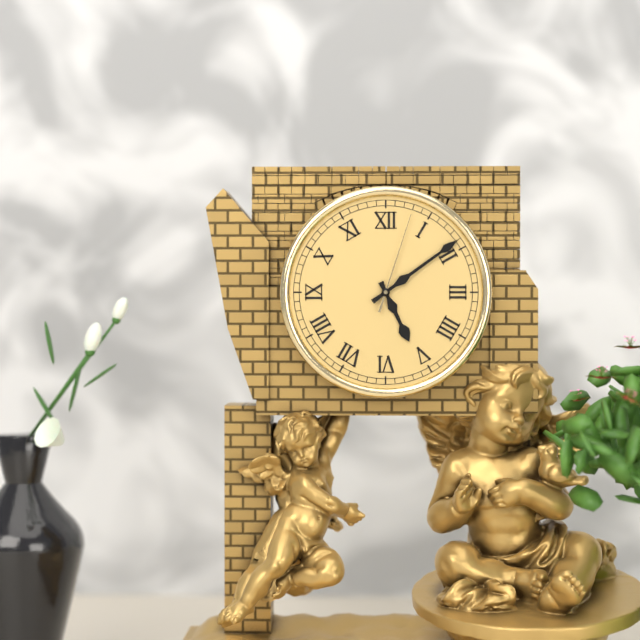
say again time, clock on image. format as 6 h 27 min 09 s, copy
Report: 5 h 09 min 03 s
